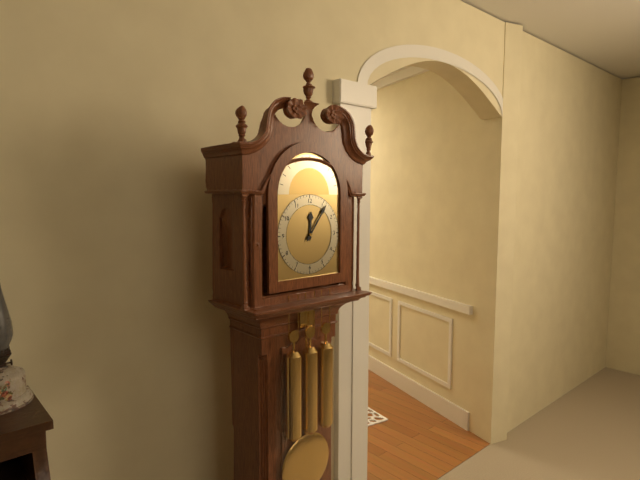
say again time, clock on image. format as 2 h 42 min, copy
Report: 12 h 06 min
